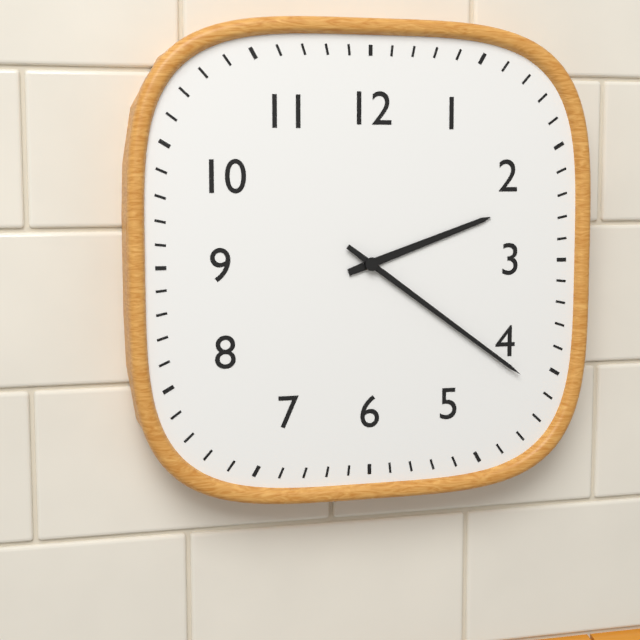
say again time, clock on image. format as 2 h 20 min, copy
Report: 2 h 21 min
